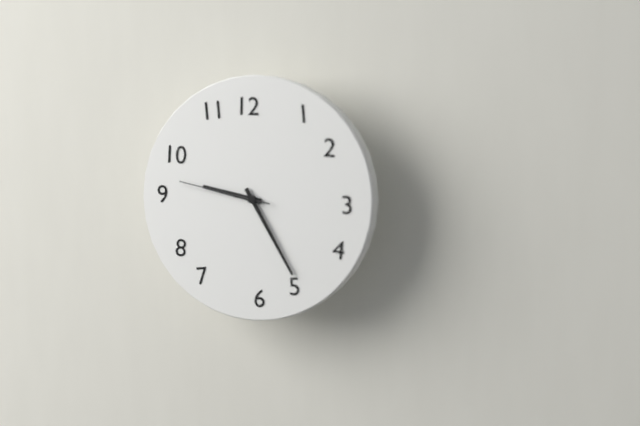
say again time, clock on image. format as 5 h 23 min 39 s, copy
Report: 9 h 25 min 47 s
